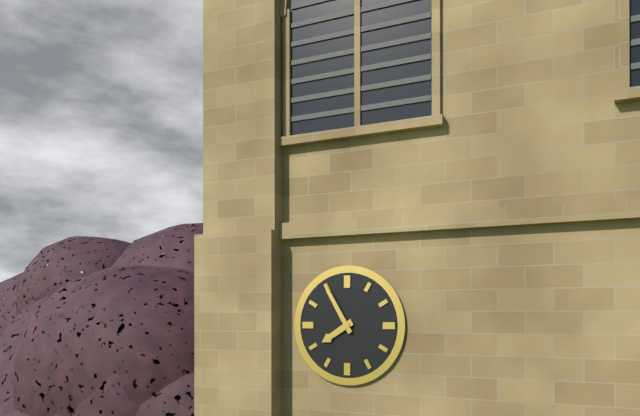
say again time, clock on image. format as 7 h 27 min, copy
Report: 7 h 55 min
